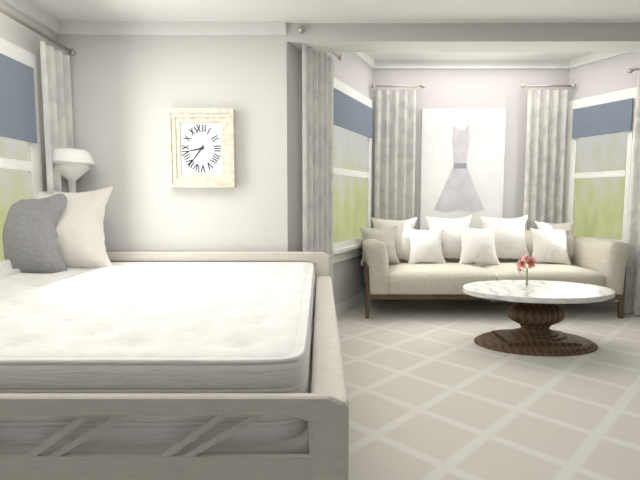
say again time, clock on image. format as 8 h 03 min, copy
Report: 8 h 36 min
